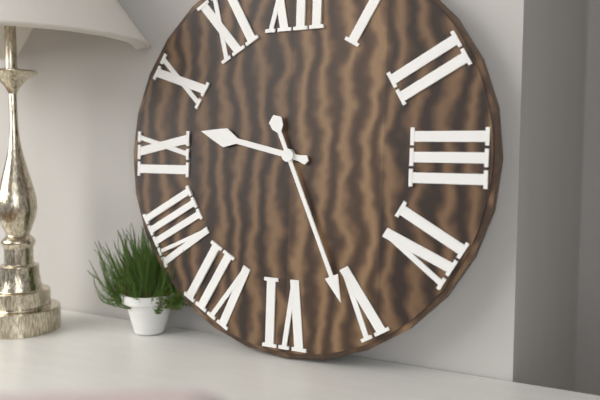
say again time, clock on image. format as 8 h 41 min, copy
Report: 9 h 26 min
